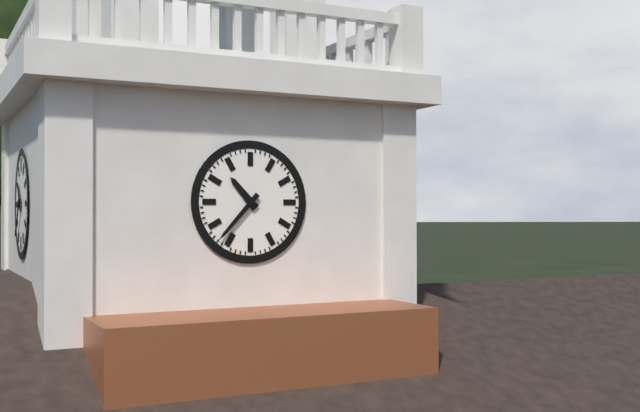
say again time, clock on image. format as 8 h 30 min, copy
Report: 10 h 37 min
